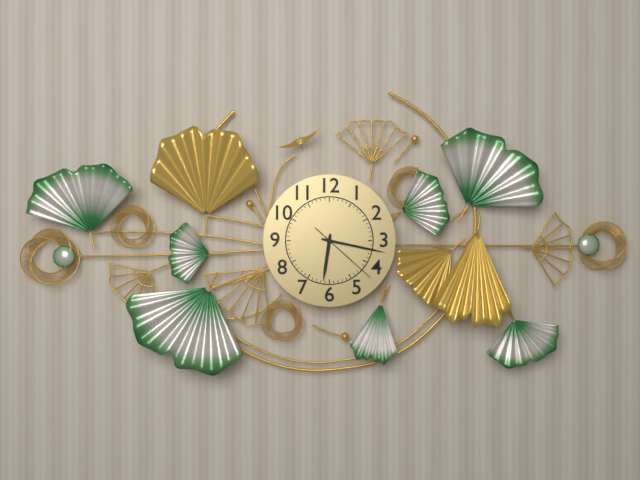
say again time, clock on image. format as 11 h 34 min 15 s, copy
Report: 6 h 17 min 22 s
